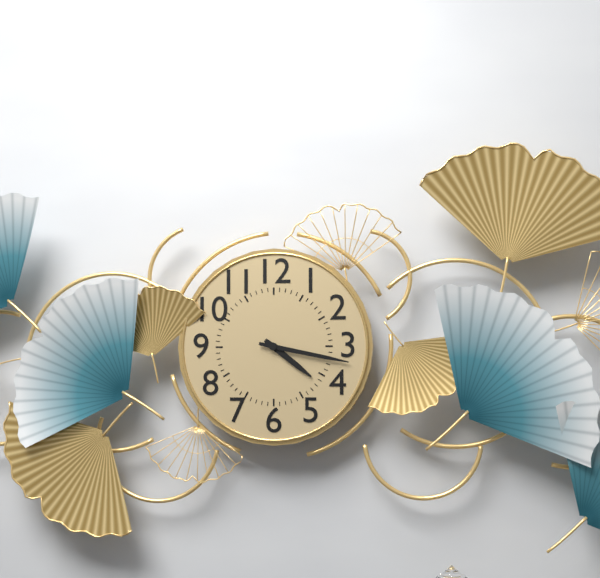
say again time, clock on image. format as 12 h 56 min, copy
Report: 4 h 17 min
